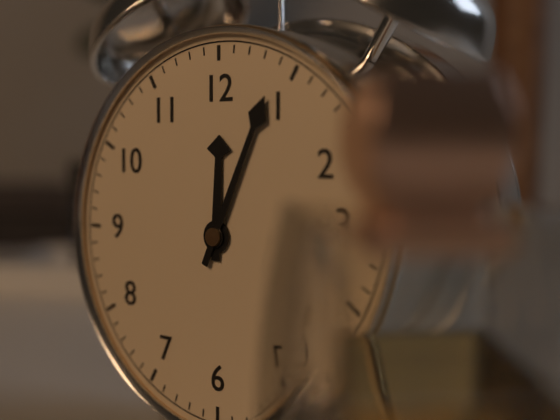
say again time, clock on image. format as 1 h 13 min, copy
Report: 12 h 04 min
